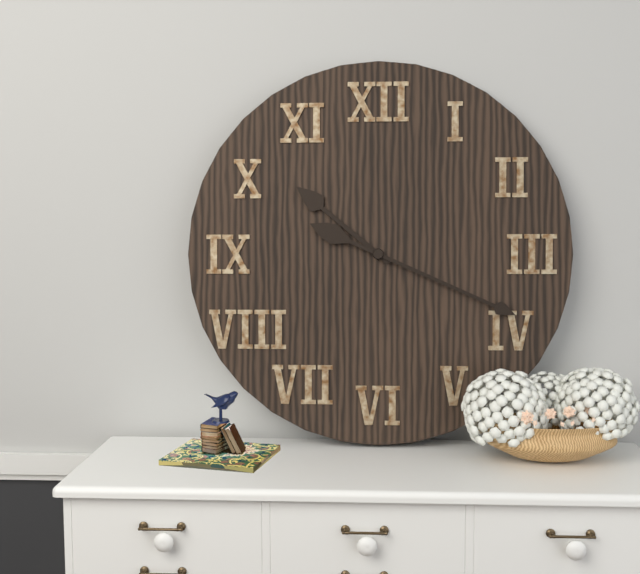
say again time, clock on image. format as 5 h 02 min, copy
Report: 10 h 19 min
